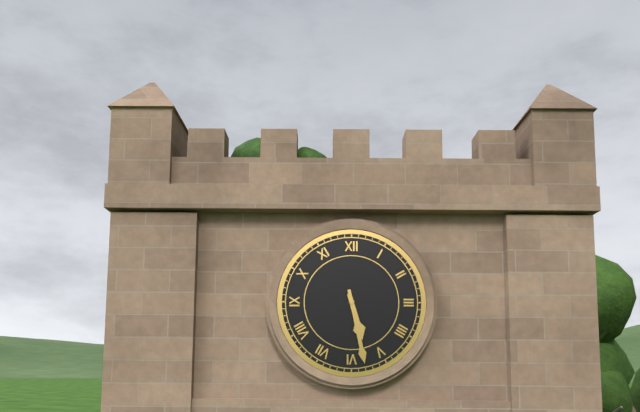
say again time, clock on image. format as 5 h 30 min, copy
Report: 5 h 28 min
